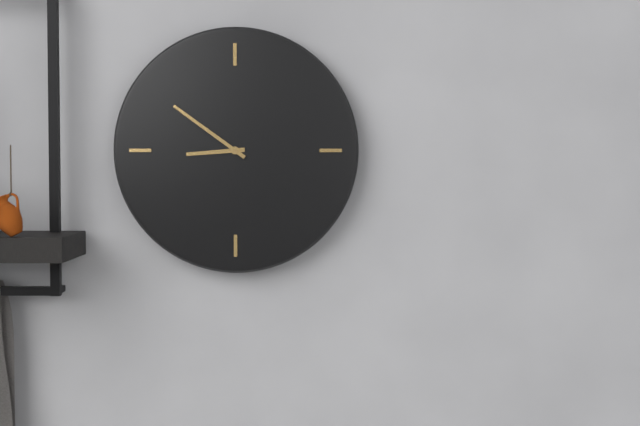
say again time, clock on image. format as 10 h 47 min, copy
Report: 8 h 51 min
